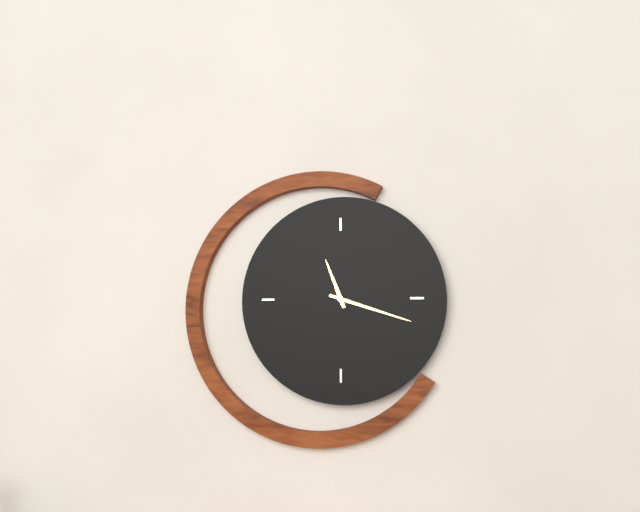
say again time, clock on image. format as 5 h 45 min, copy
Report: 11 h 18 min
